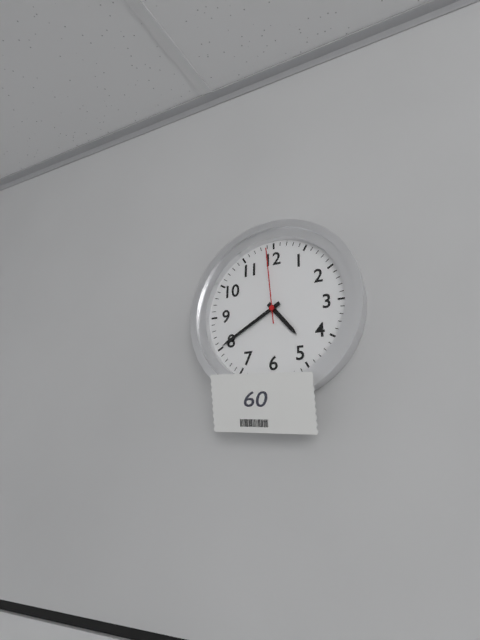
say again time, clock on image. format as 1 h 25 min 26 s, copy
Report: 4 h 40 min 59 s
